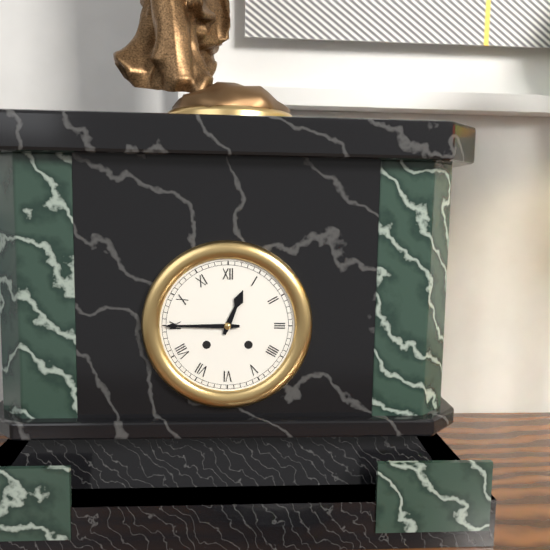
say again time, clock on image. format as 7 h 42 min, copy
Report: 12 h 45 min
